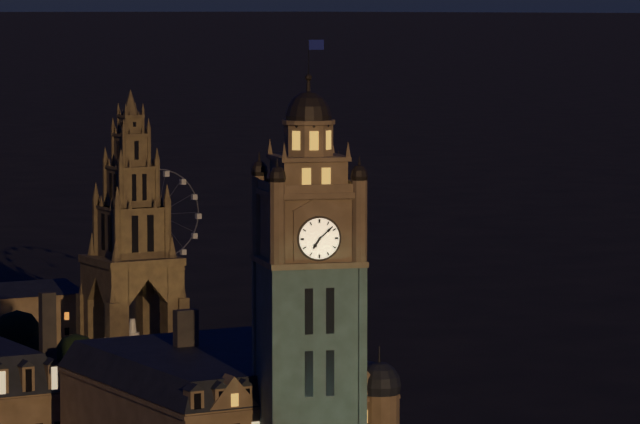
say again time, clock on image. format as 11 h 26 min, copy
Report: 7 h 08 min
